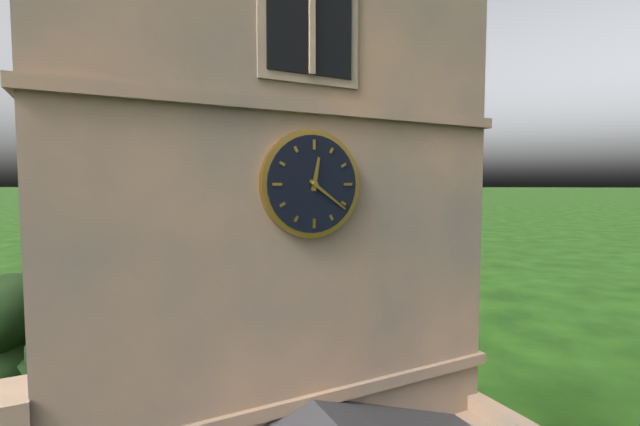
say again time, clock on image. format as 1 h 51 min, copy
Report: 12 h 21 min
